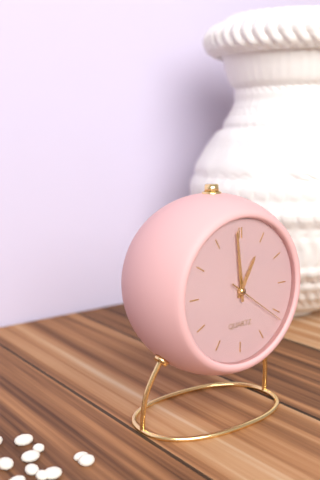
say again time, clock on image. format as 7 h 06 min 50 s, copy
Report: 12 h 59 min 21 s
